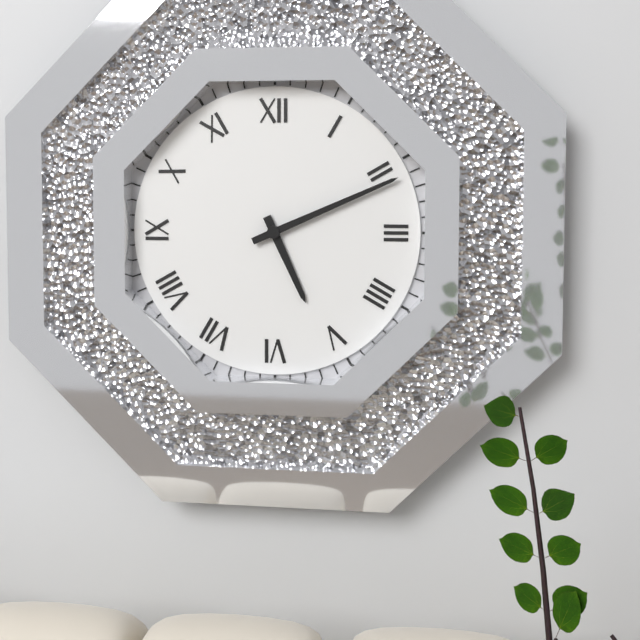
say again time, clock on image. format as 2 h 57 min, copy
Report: 5 h 11 min
